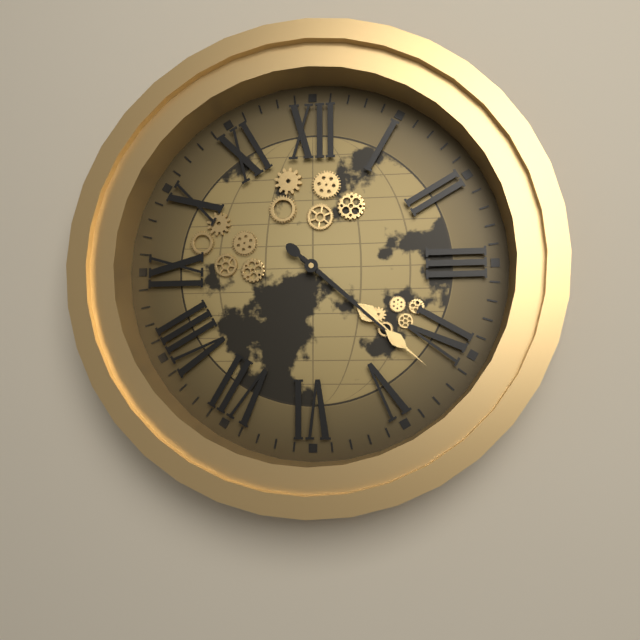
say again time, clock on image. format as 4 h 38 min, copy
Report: 4 h 22 min
